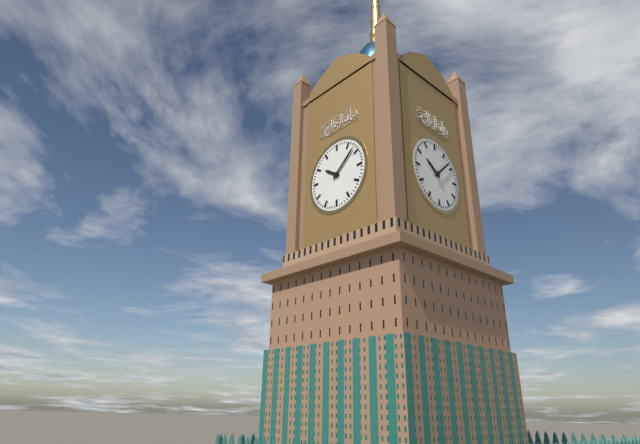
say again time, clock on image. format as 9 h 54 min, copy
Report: 10 h 08 min
